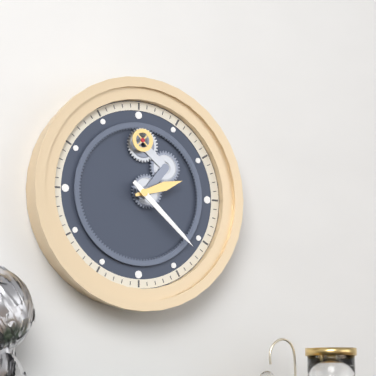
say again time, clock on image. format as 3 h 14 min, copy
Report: 2 h 22 min
